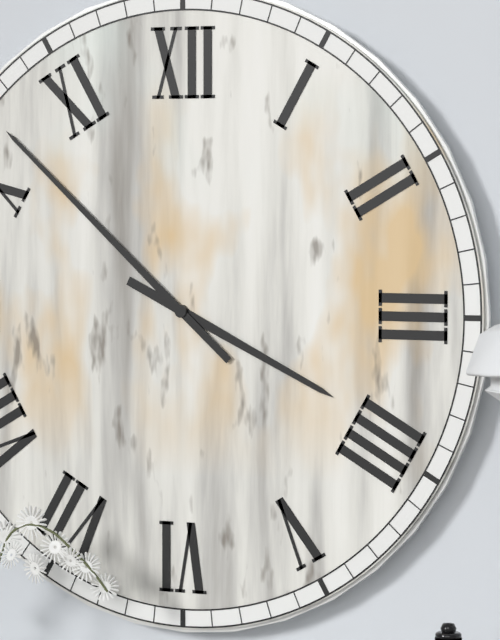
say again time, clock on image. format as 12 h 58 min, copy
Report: 3 h 52 min
